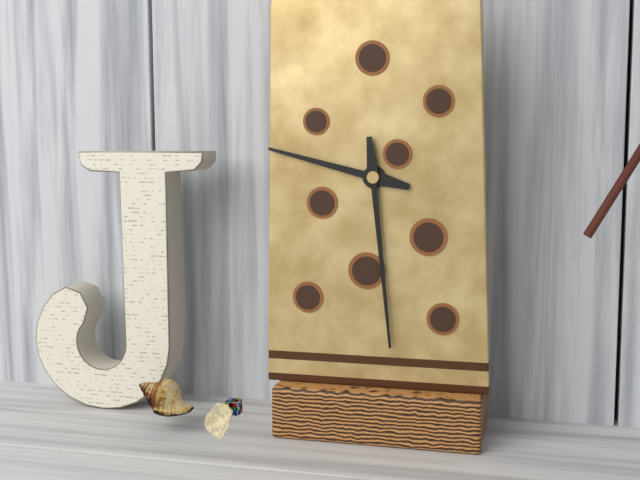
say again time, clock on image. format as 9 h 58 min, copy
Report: 9 h 29 min
